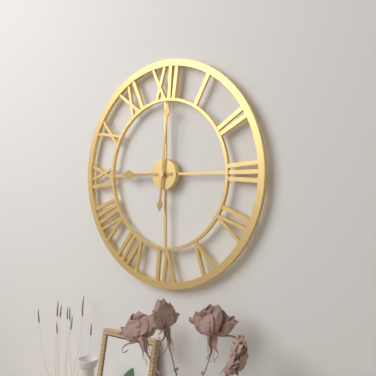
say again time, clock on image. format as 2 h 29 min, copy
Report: 9 h 01 min
